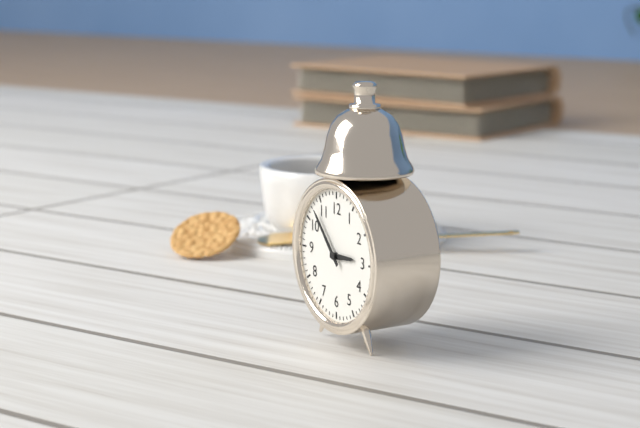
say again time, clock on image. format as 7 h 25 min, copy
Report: 2 h 53 min
